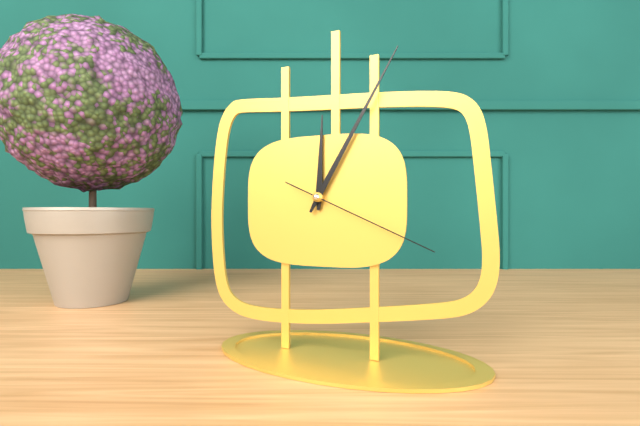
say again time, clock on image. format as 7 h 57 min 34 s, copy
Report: 12 h 05 min 19 s
